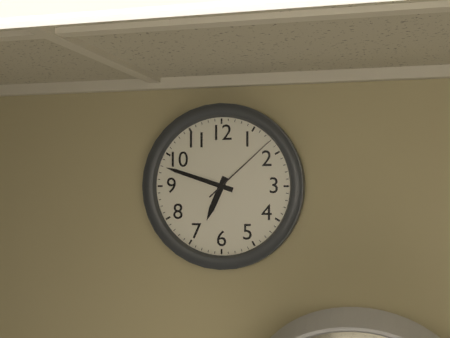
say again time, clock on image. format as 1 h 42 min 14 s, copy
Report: 6 h 48 min 08 s
